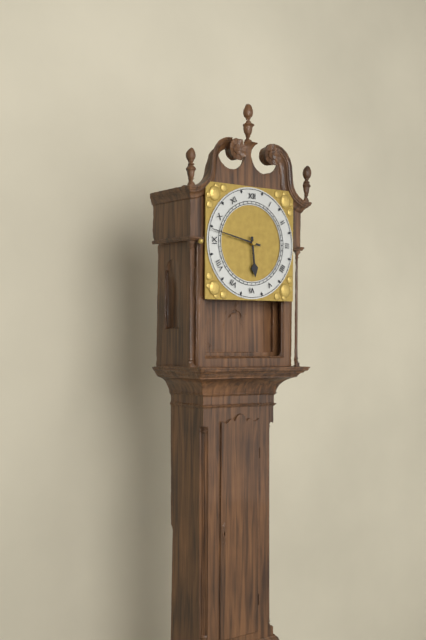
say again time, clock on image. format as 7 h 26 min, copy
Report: 5 h 47 min
